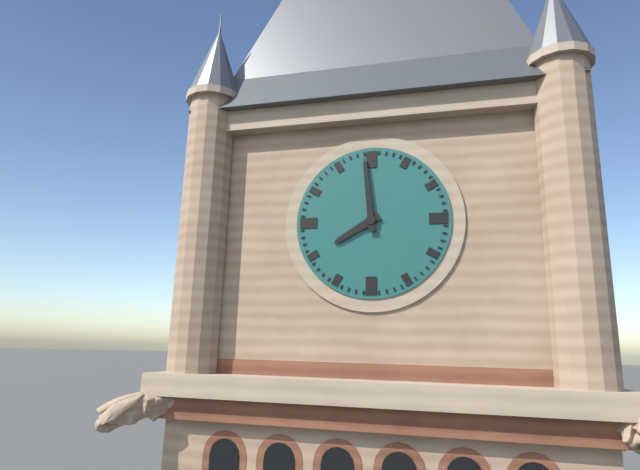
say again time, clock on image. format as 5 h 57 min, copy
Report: 7 h 59 min
